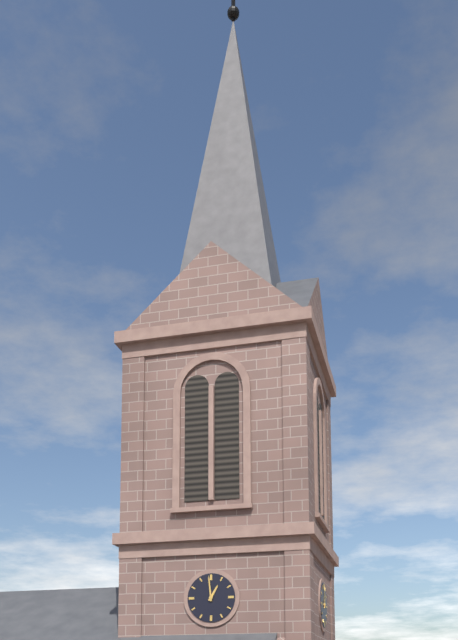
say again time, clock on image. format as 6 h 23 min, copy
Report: 12 h 59 min
